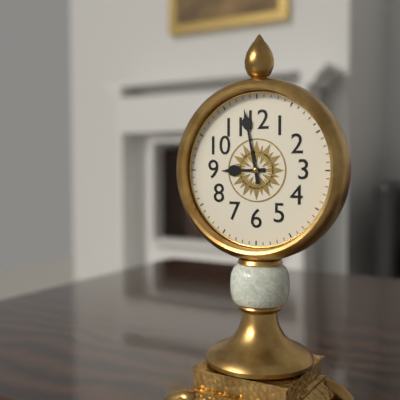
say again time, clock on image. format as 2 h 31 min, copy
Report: 8 h 58 min
